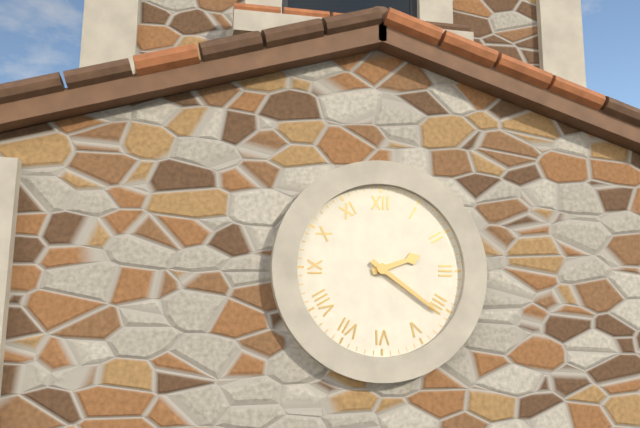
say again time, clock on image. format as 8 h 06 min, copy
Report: 2 h 21 min
